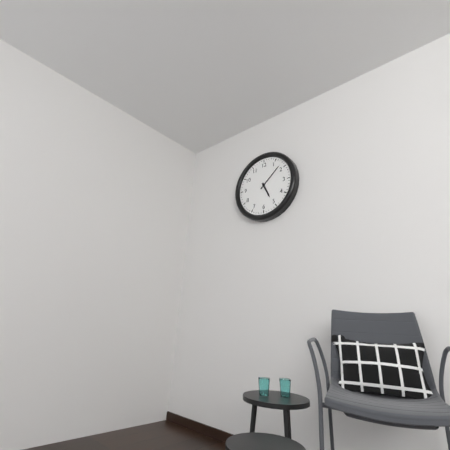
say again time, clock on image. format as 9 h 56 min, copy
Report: 5 h 08 min
